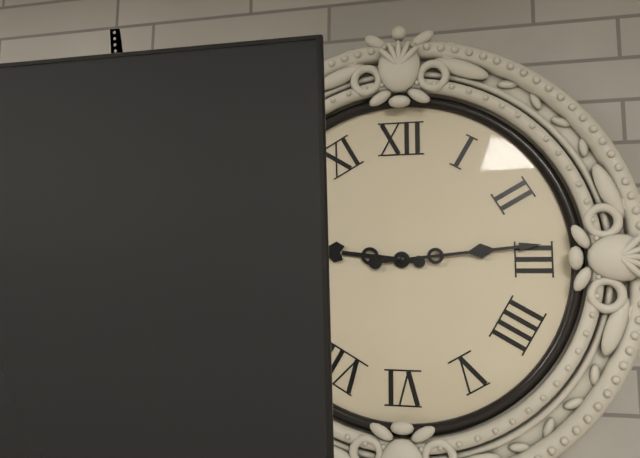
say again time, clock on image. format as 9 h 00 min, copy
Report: 9 h 14 min
